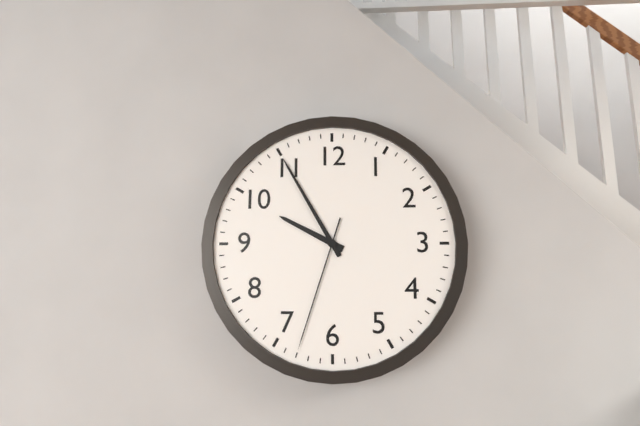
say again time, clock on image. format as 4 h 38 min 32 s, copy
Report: 9 h 55 min 33 s
